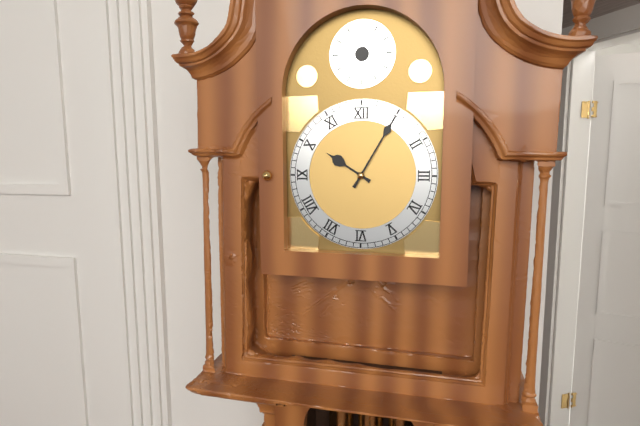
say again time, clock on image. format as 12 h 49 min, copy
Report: 10 h 05 min
